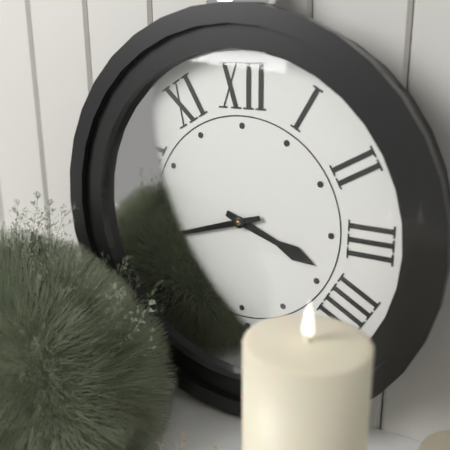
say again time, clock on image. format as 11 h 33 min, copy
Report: 3 h 42 min
